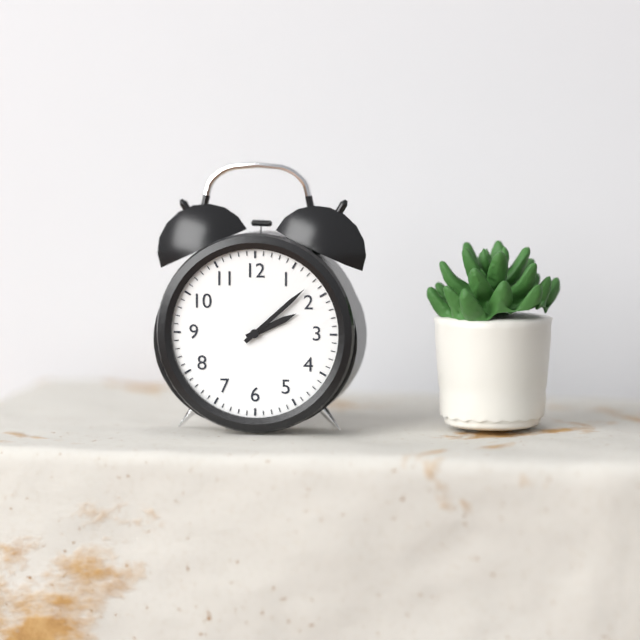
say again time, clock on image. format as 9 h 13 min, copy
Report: 2 h 08 min
